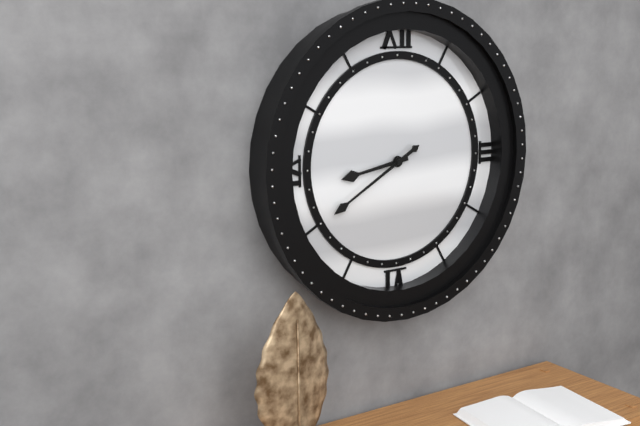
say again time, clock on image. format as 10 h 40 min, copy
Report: 8 h 40 min
